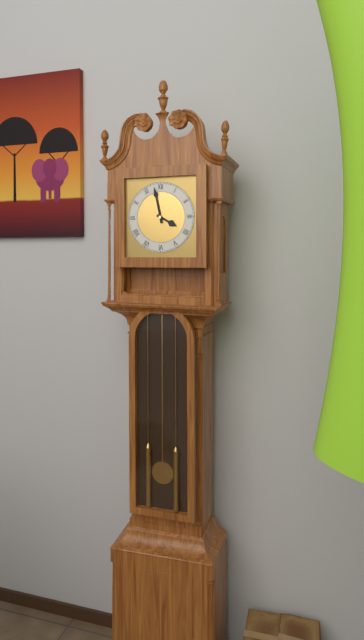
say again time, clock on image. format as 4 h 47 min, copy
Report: 3 h 58 min
